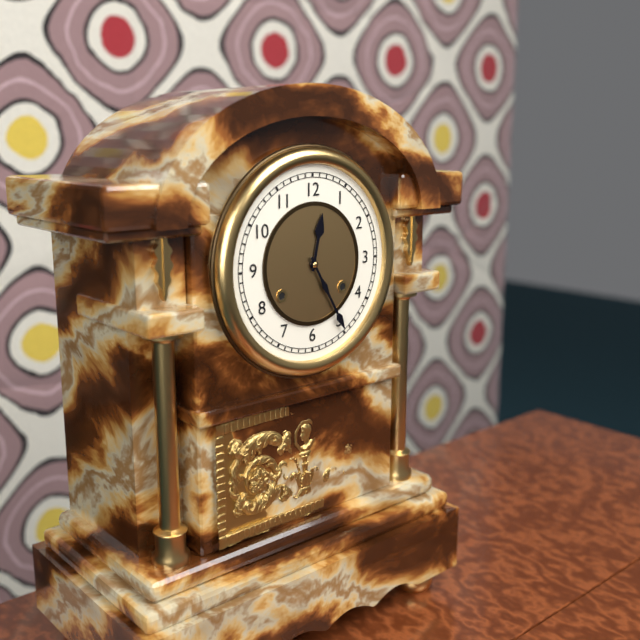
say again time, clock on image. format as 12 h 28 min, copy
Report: 12 h 25 min
